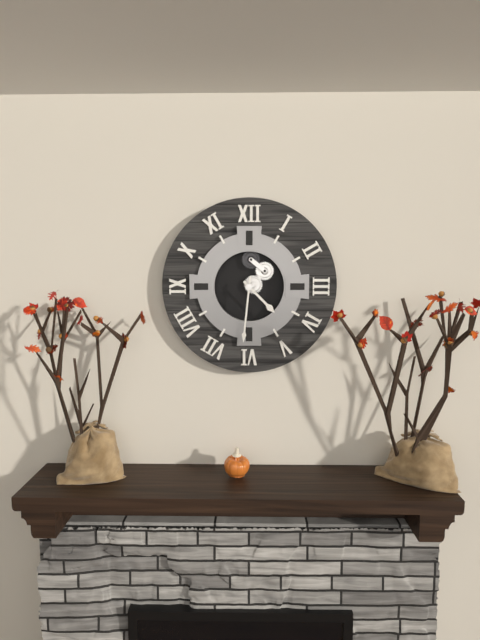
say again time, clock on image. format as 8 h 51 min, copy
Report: 4 h 31 min
